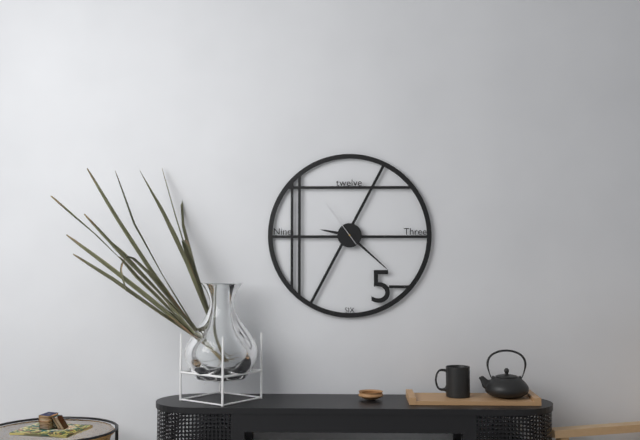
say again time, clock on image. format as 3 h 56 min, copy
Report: 9 h 22 min
